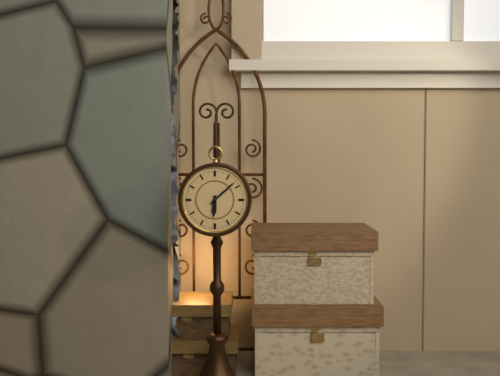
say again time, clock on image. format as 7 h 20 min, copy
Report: 6 h 08 min
